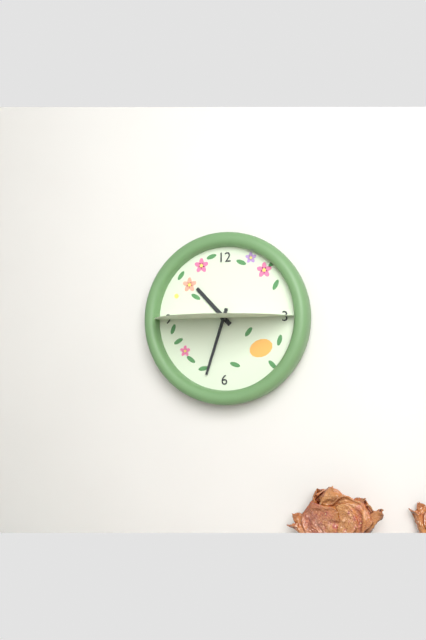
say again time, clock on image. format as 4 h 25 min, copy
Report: 10 h 33 min
